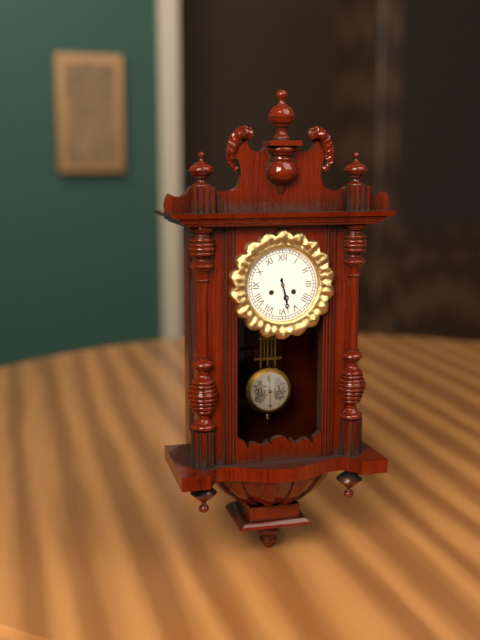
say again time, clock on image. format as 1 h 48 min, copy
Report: 5 h 28 min
